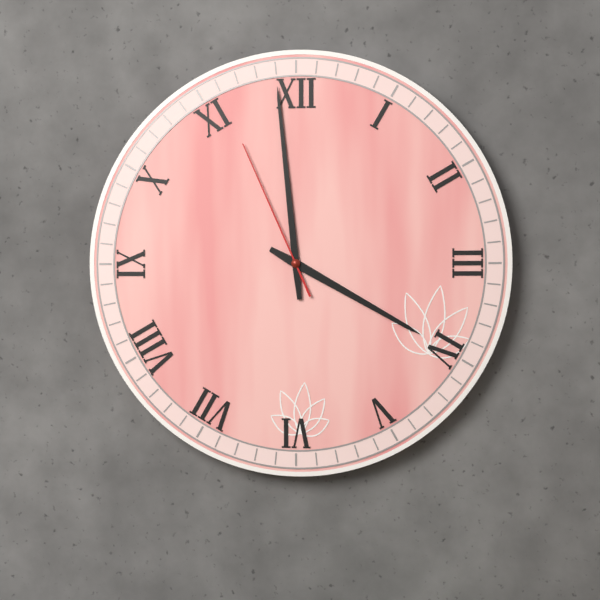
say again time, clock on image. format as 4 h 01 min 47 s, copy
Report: 3 h 59 min 56 s
